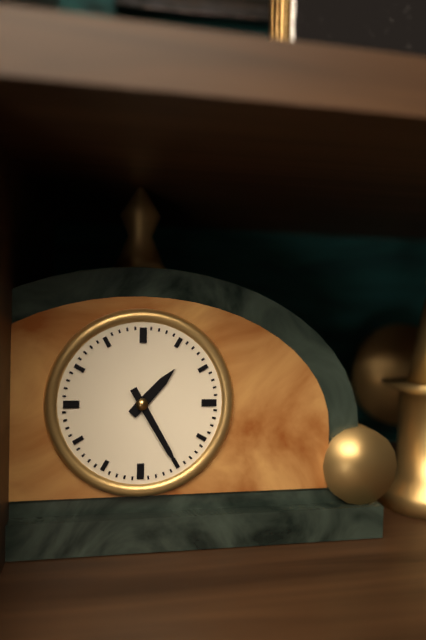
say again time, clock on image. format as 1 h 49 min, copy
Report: 1 h 25 min
